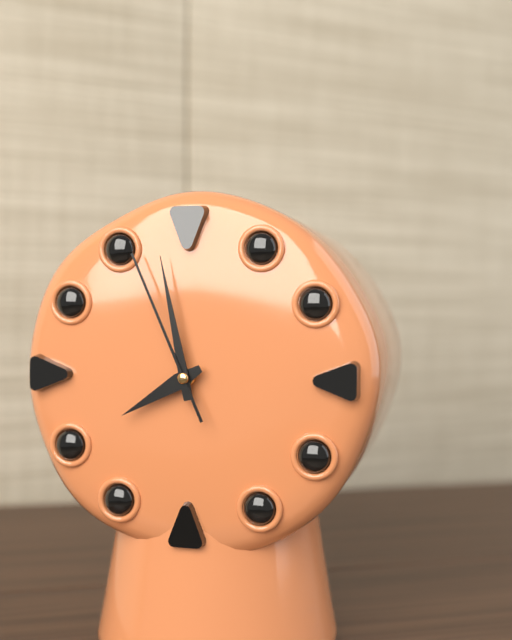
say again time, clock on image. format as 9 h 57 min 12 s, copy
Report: 7 h 58 min 56 s
